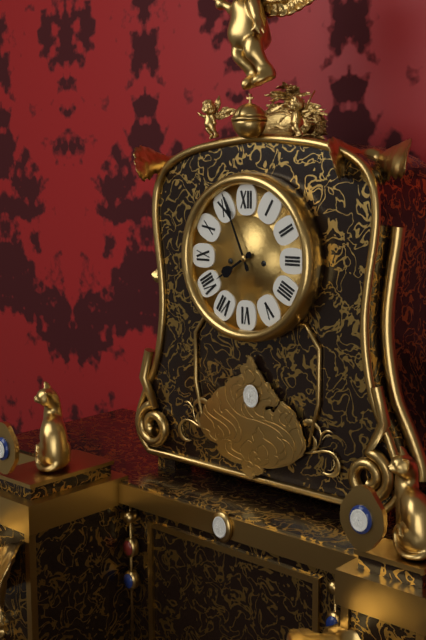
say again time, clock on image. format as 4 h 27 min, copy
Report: 7 h 56 min
